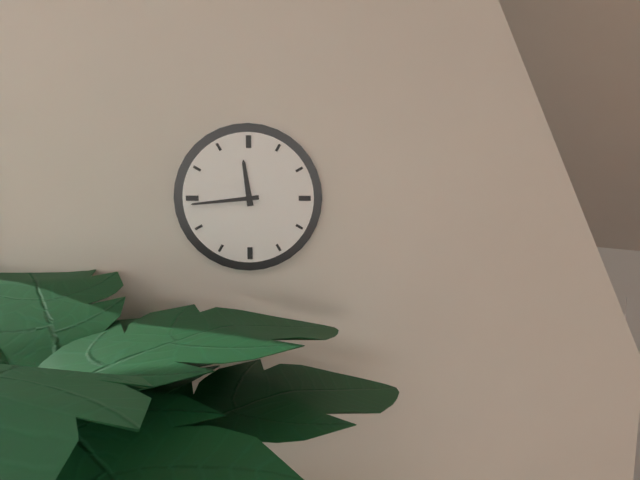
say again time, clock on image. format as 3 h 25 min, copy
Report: 11 h 44 min
